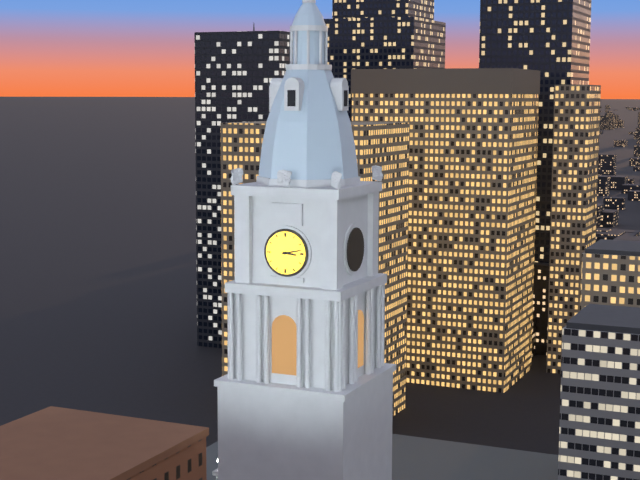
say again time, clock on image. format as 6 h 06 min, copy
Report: 3 h 13 min
